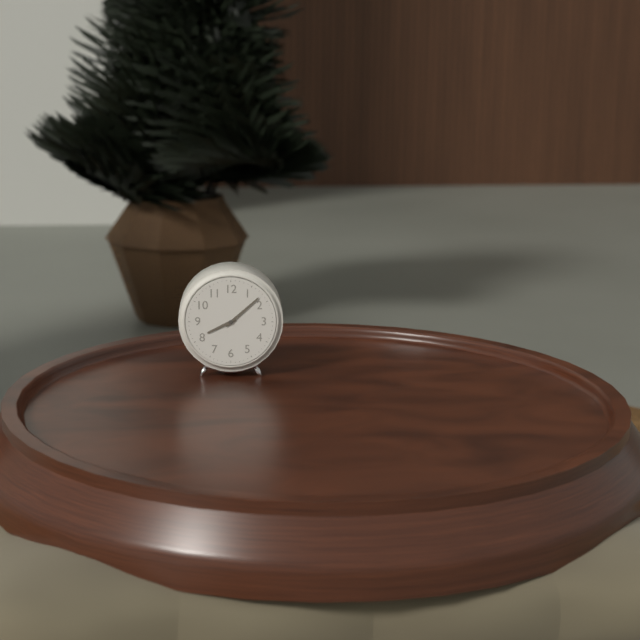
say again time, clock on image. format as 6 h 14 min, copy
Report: 8 h 08 min
